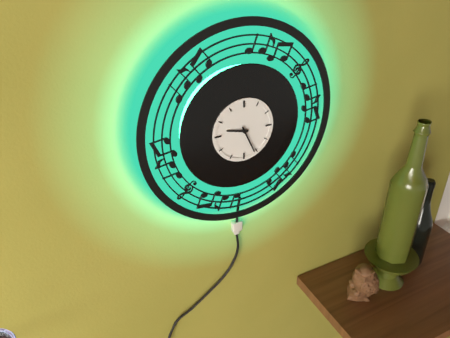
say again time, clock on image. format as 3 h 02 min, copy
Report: 9 h 26 min
